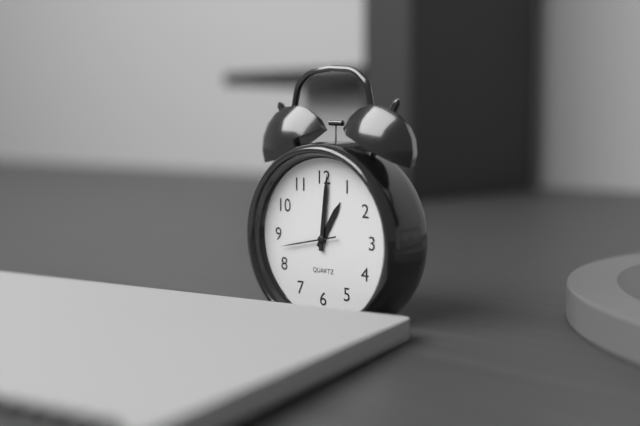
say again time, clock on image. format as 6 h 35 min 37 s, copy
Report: 1 h 01 min 43 s
